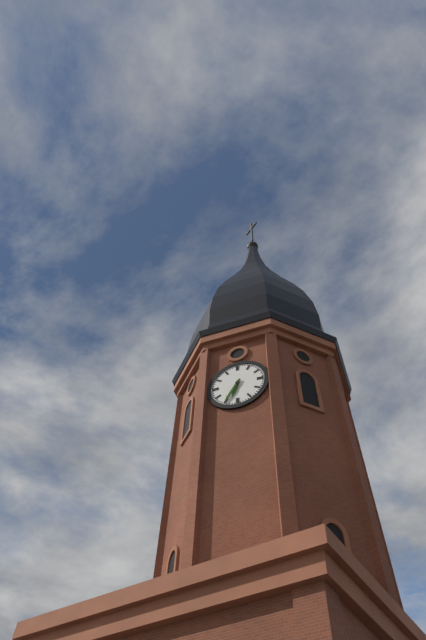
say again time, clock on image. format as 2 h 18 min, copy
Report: 6 h 35 min
